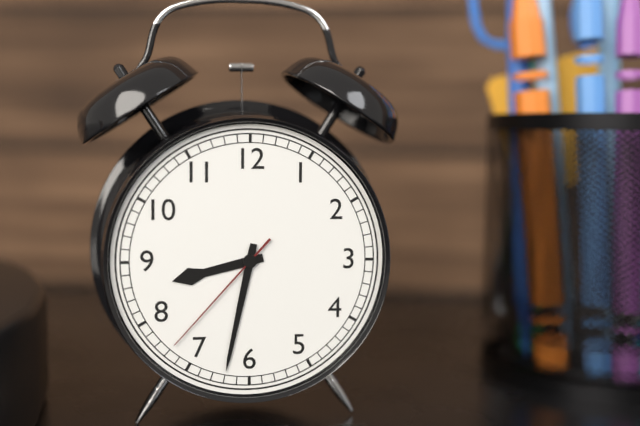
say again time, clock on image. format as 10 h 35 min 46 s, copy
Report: 8 h 32 min 37 s
